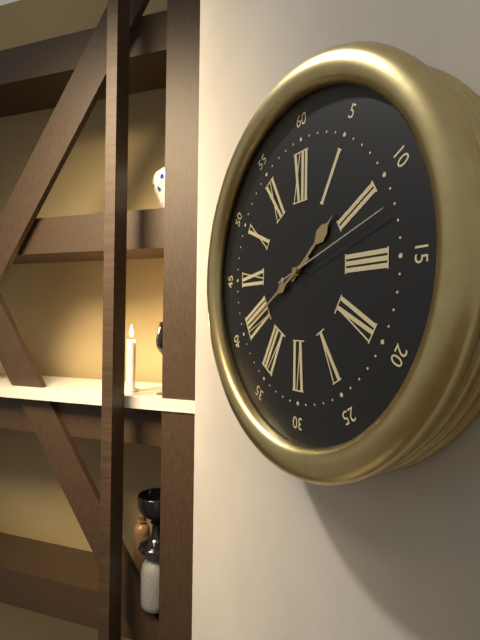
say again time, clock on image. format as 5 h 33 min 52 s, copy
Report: 1 h 40 min 12 s
